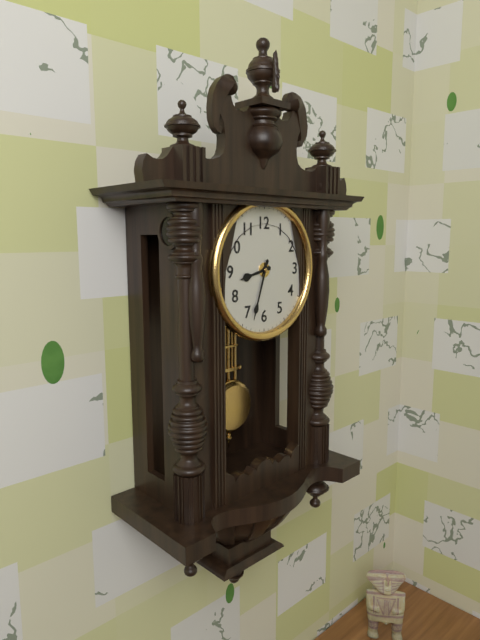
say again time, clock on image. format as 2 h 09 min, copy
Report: 8 h 33 min
